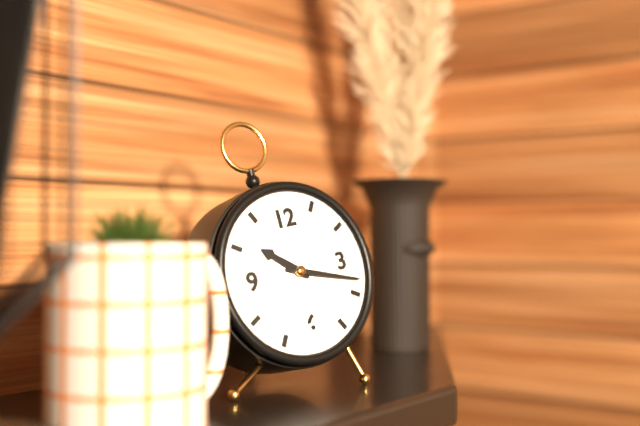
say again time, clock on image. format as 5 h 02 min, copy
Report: 10 h 18 min
